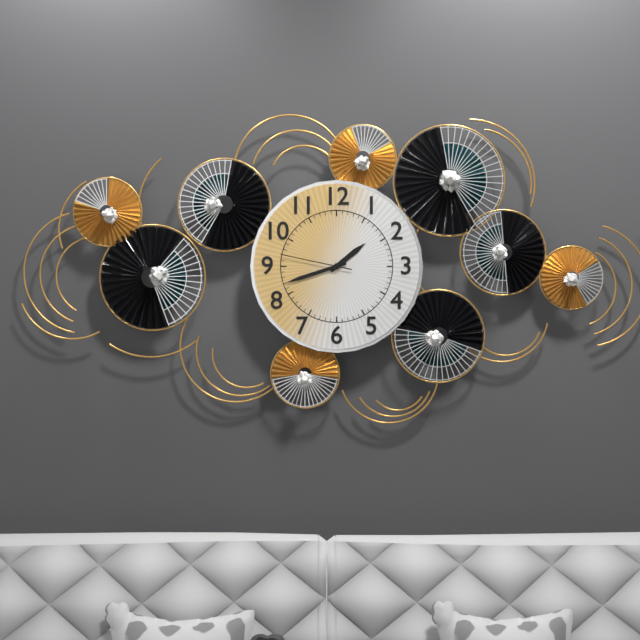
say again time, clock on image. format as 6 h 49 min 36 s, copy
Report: 1 h 42 min 47 s
